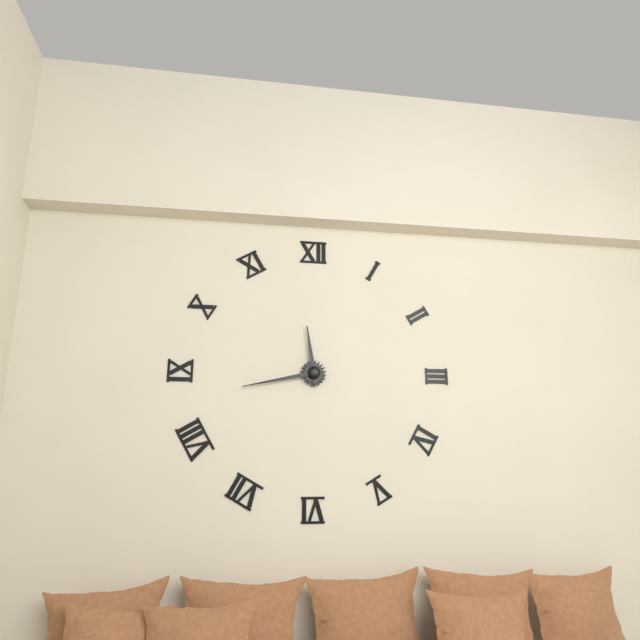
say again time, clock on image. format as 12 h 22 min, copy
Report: 11 h 43 min
